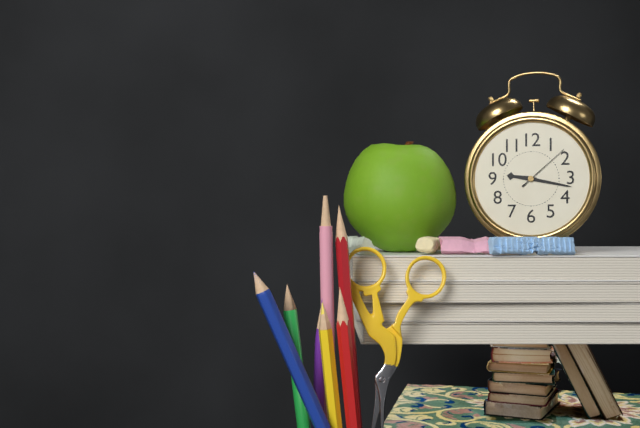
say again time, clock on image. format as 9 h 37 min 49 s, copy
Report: 9 h 17 min 08 s
